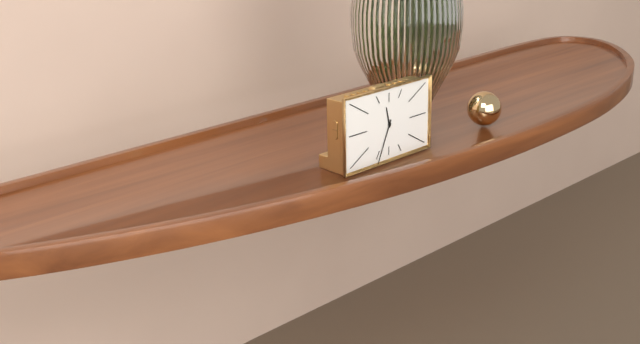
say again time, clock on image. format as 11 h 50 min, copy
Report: 11 h 34 min
